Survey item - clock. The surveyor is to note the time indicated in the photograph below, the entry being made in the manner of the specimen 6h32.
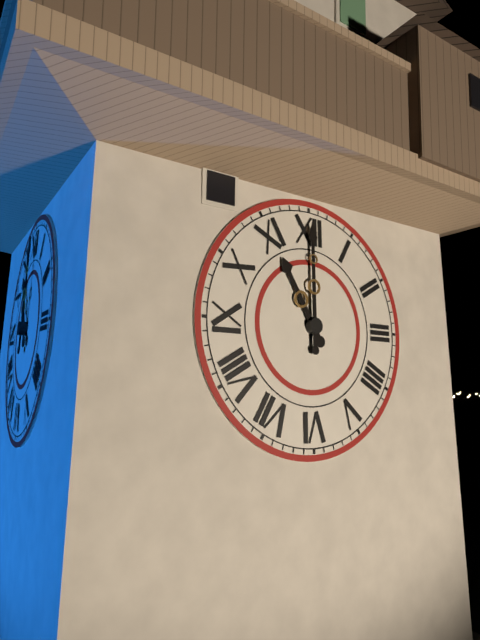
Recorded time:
11h00
